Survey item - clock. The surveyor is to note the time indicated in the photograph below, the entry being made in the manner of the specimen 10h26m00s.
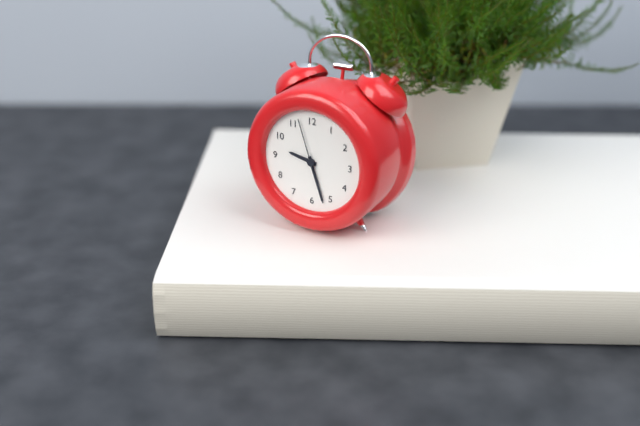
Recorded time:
9h27m57s
